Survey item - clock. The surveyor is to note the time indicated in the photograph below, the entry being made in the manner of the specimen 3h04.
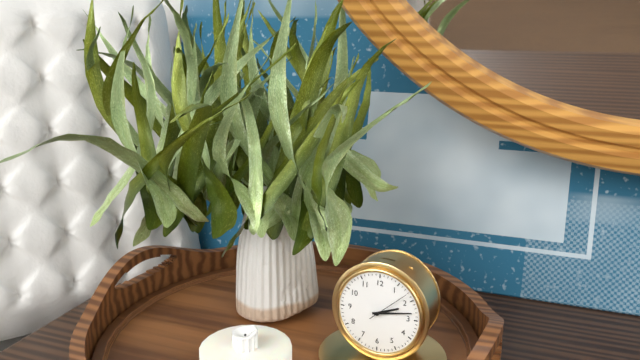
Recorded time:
2h13
